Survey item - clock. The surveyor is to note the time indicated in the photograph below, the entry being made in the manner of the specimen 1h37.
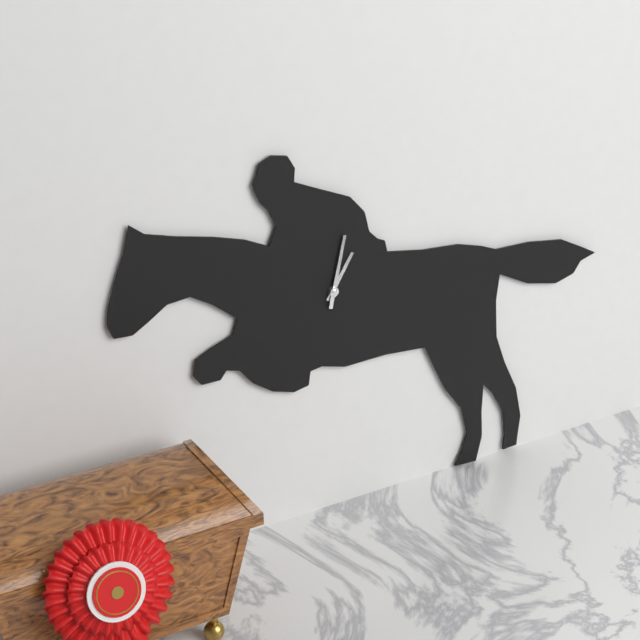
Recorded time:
1h02
